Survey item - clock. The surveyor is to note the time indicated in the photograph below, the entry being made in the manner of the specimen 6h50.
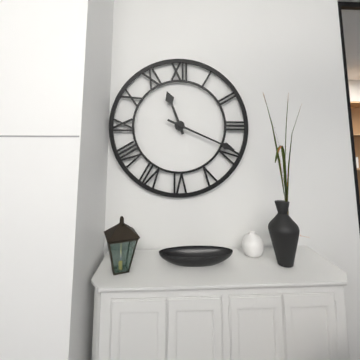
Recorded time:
11h19
